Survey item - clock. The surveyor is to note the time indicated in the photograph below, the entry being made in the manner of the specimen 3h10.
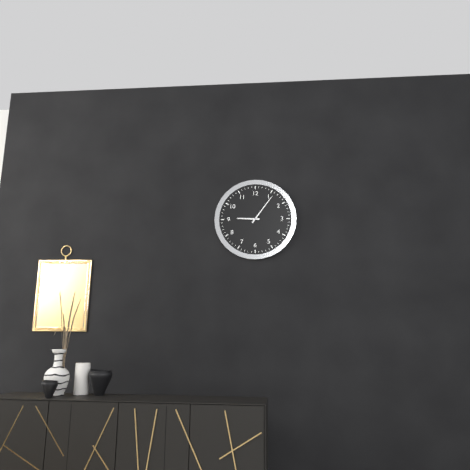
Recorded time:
9h06
